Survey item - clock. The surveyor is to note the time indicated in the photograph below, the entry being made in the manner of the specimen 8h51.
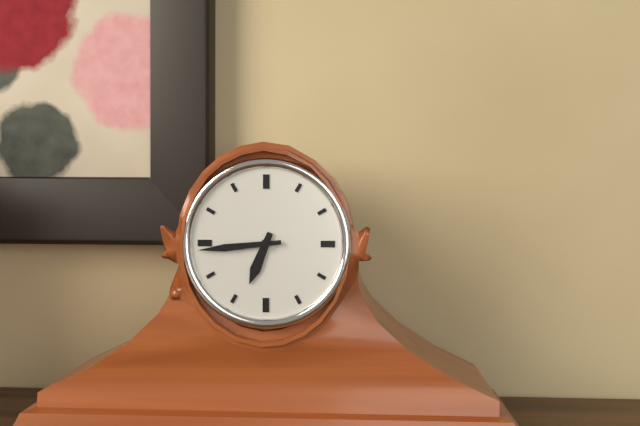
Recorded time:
6h44
